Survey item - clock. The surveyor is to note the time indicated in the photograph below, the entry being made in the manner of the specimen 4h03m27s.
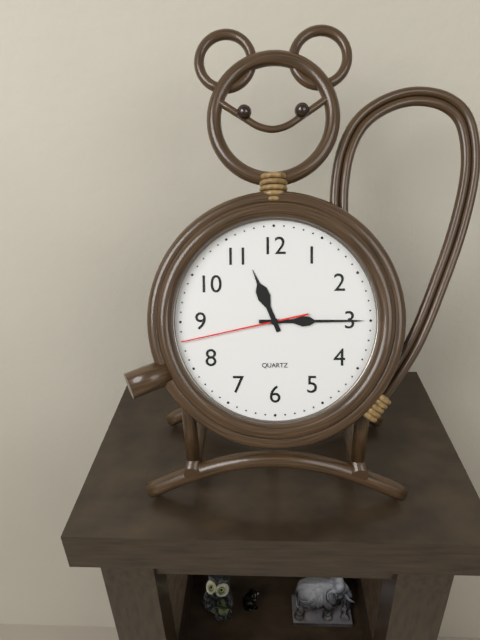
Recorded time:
11h15m43s
